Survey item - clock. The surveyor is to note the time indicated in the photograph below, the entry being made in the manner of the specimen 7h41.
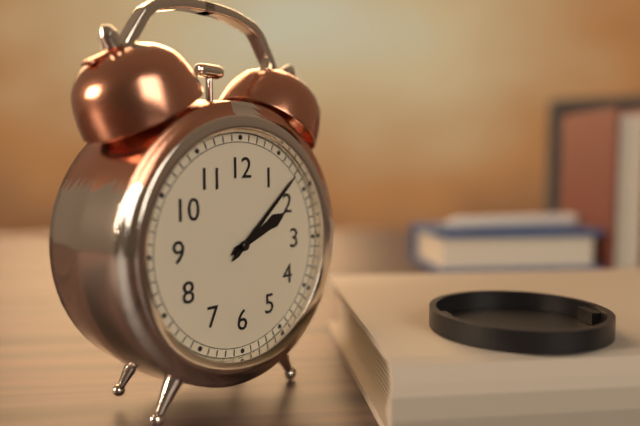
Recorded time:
2h08
